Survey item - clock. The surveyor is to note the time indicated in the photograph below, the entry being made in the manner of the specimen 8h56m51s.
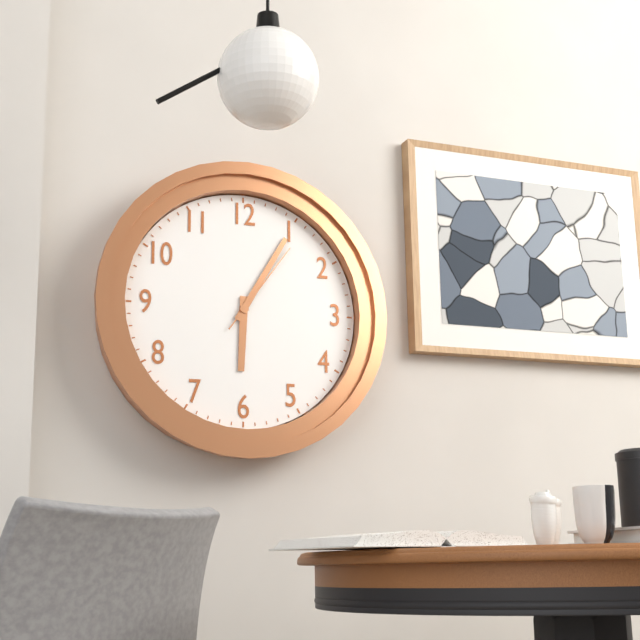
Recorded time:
6h05m06s
